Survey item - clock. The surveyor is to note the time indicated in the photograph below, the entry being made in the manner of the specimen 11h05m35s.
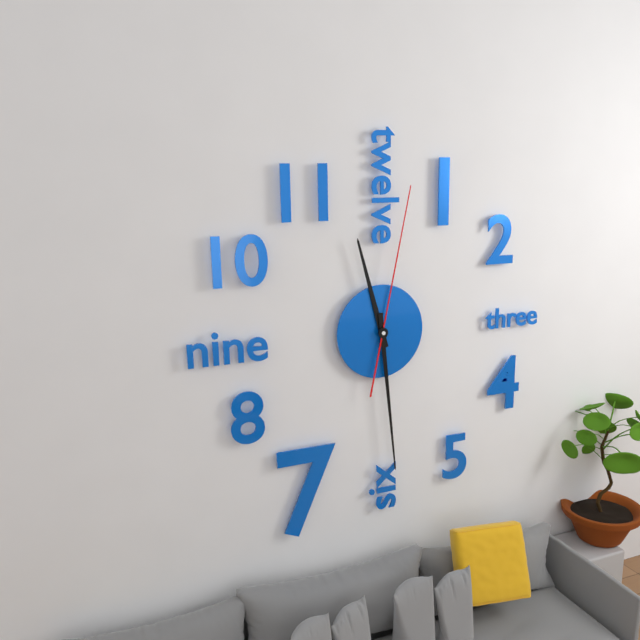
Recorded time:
11h29m02s
